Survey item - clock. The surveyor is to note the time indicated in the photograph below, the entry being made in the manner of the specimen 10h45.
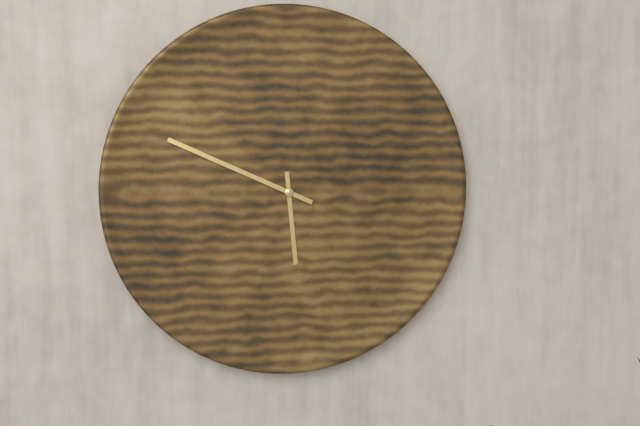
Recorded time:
5h49
